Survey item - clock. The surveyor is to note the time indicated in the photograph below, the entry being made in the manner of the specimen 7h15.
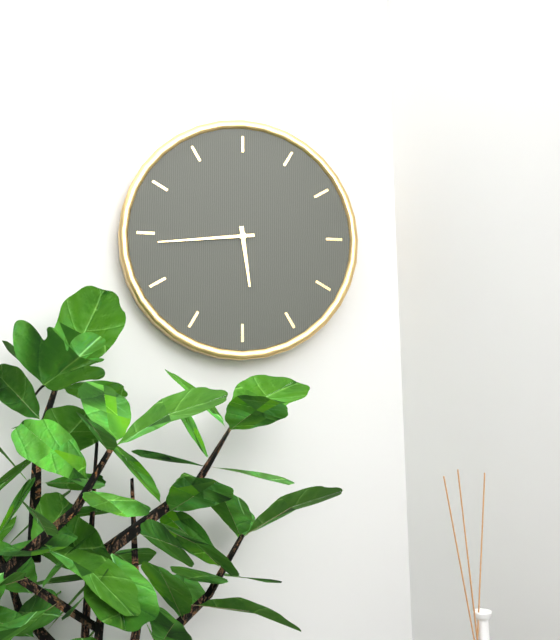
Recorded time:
5h44
